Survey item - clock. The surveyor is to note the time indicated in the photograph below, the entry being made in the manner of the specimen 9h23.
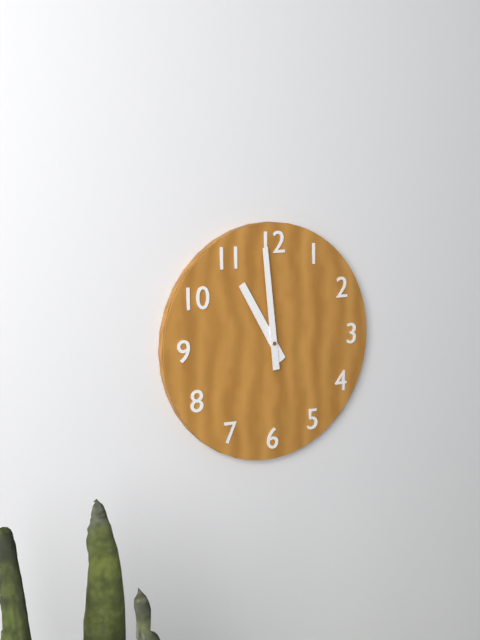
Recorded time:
10h59
